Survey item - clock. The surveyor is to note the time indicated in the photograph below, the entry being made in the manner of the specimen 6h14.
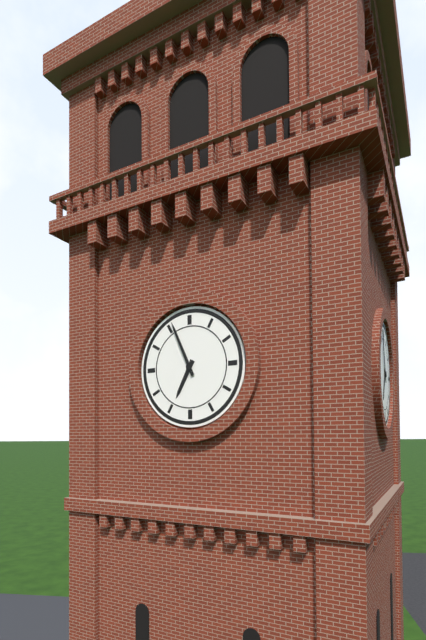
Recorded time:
6h56
